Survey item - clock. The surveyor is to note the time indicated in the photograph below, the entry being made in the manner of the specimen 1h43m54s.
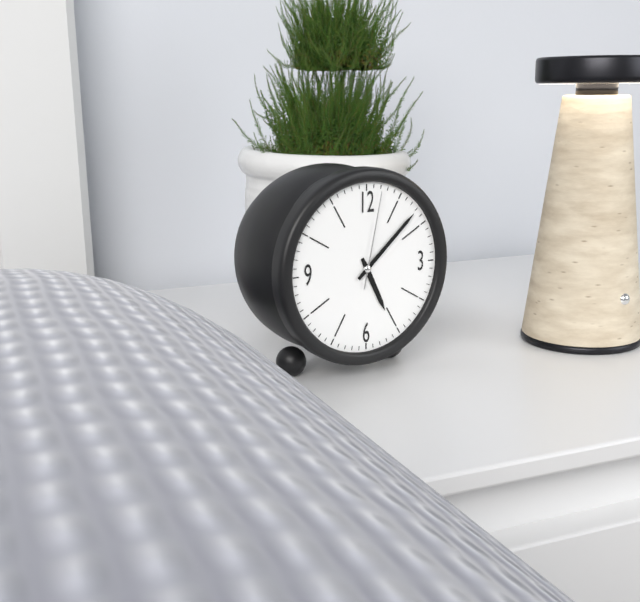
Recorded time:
5h08m02s
